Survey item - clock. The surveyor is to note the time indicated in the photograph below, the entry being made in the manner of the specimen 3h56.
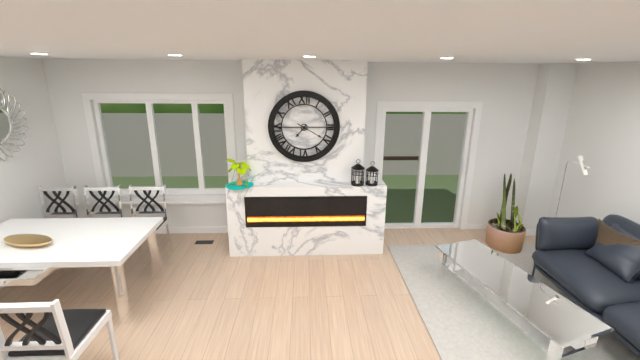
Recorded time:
7h20
